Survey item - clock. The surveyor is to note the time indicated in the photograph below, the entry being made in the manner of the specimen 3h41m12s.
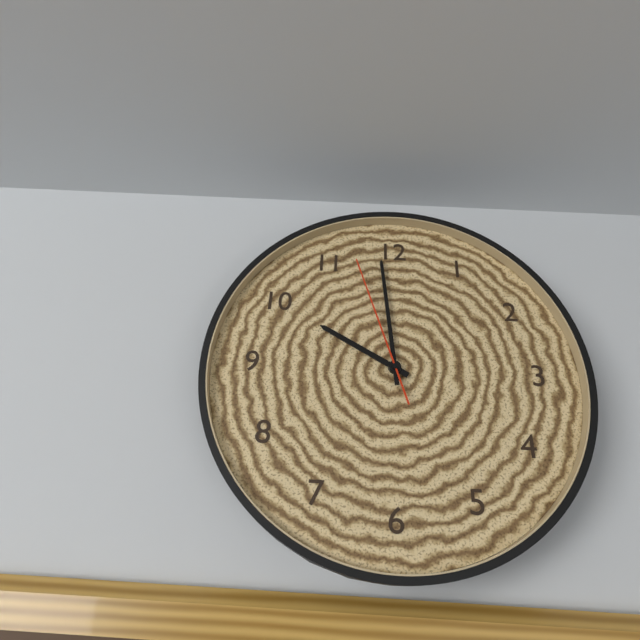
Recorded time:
9h59m57s
